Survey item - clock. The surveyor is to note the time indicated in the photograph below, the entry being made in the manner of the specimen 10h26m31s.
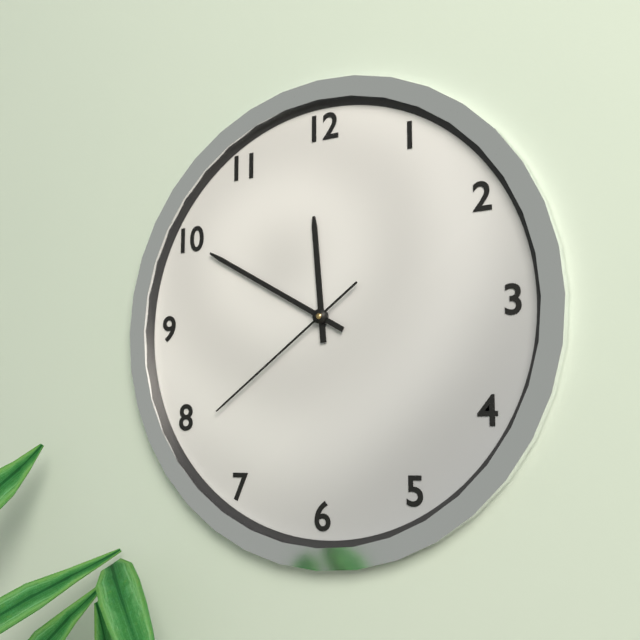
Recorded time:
11h50m39s
